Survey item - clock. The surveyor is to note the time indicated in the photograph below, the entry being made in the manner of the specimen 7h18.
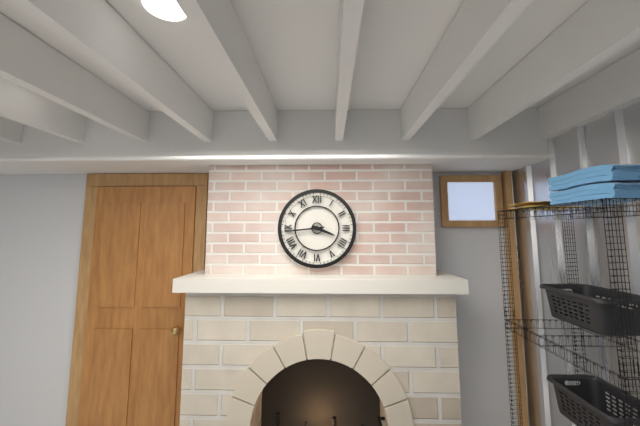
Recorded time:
3h44
